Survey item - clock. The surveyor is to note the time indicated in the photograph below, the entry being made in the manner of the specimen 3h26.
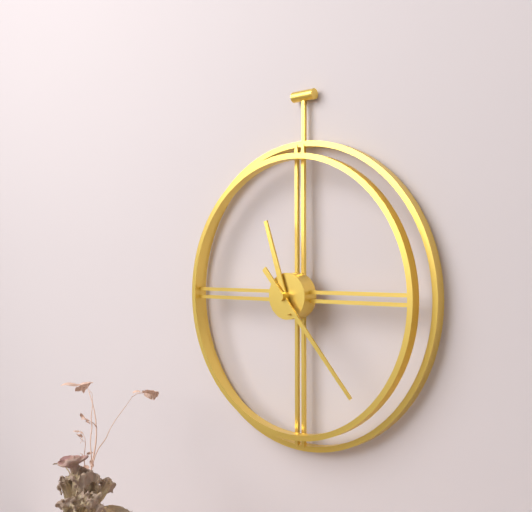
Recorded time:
11h23
